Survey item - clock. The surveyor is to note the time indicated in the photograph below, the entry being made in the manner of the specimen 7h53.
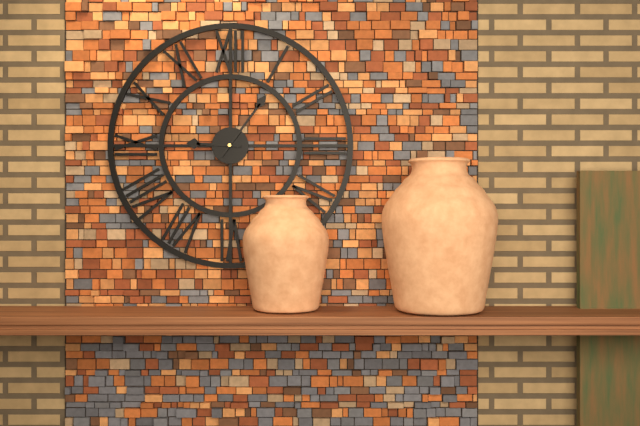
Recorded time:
9h06
